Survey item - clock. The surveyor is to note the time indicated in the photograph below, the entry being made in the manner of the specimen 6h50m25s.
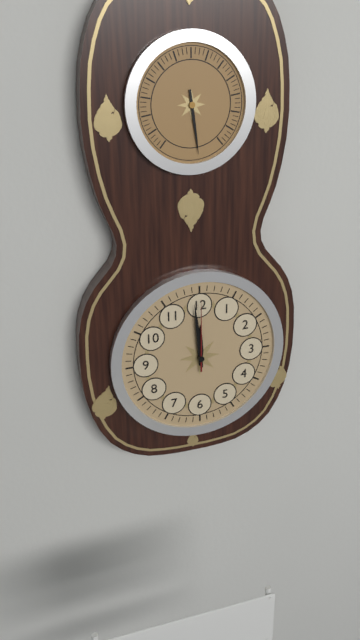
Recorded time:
11h59m00s
